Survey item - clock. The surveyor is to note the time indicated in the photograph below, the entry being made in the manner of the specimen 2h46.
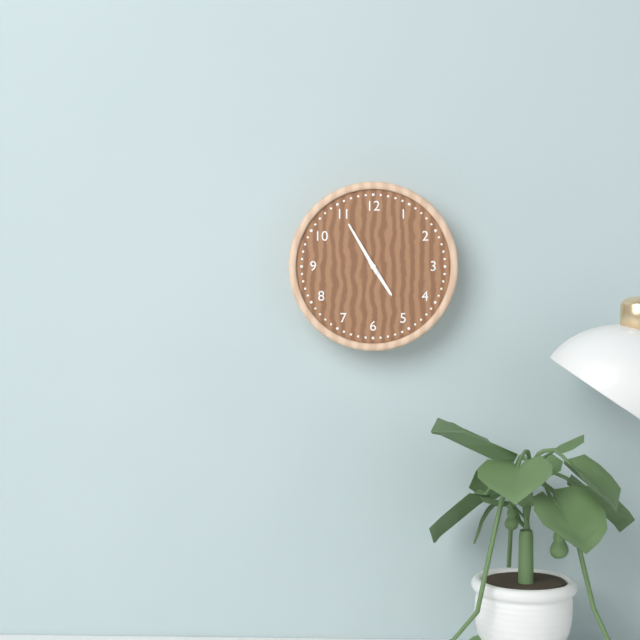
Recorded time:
4h55
